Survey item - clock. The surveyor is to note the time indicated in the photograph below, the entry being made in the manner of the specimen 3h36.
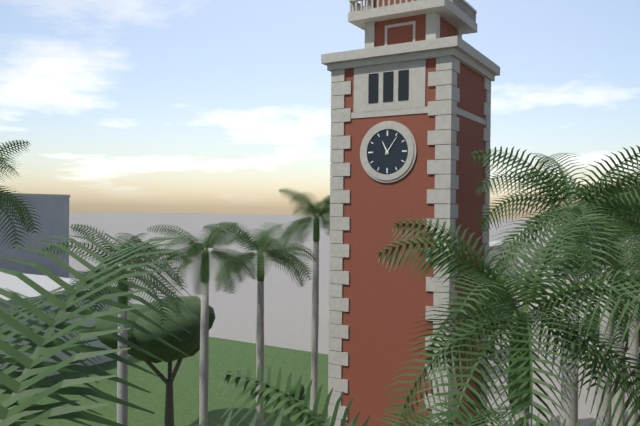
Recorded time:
11h06
